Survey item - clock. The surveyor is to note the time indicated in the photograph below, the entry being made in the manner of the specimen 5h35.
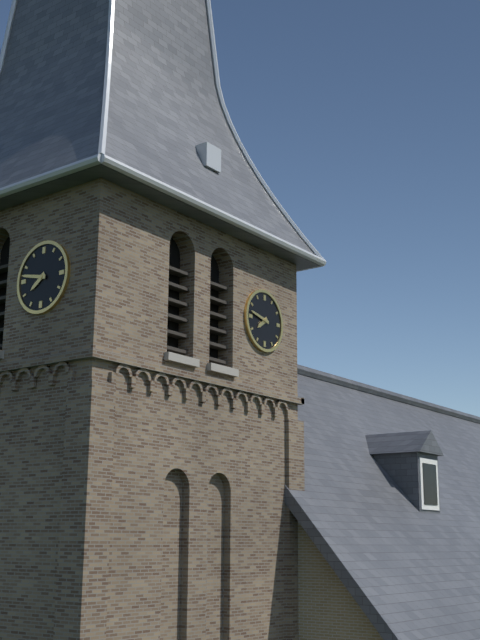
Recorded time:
7h47
